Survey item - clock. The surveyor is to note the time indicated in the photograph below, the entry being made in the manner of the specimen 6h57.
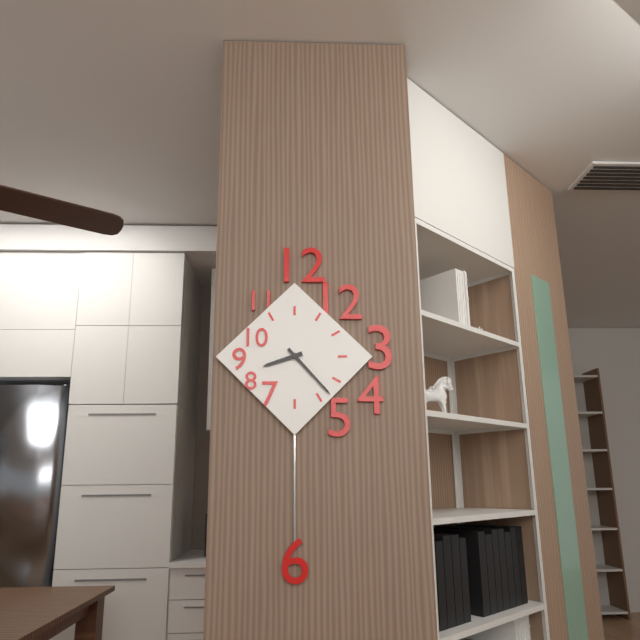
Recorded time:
8h23
